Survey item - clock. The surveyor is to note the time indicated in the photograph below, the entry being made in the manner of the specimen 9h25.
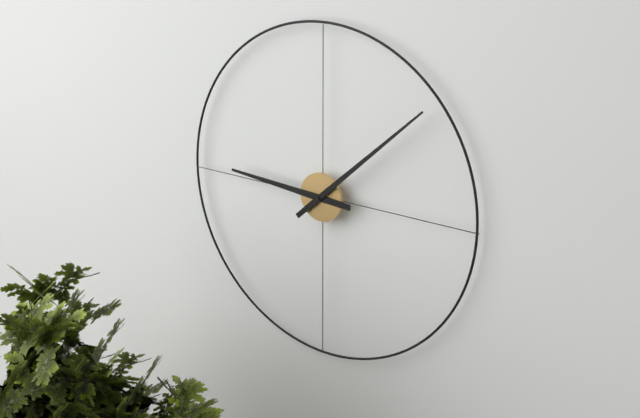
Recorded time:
9h08
